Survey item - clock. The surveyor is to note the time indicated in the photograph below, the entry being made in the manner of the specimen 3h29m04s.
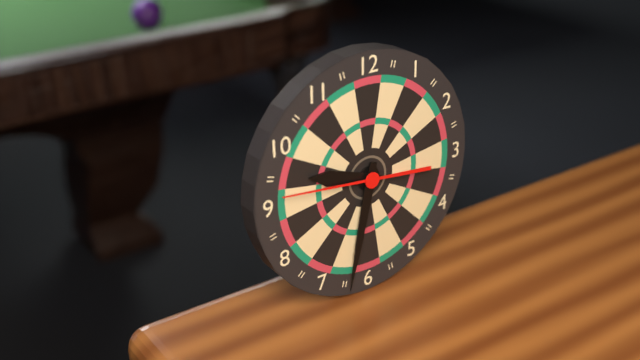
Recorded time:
9h32m46s
